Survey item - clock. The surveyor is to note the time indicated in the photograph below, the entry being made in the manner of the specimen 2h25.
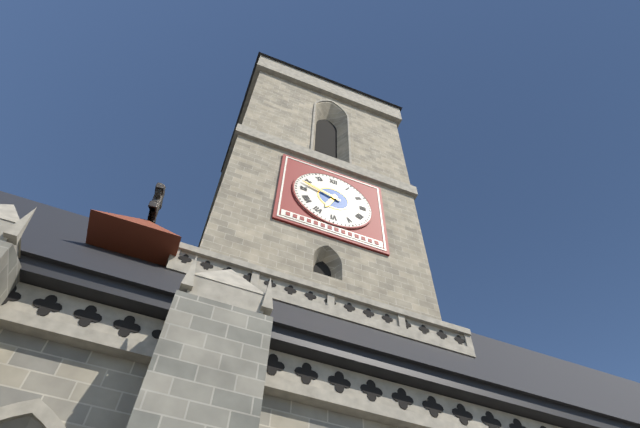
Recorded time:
6h48
